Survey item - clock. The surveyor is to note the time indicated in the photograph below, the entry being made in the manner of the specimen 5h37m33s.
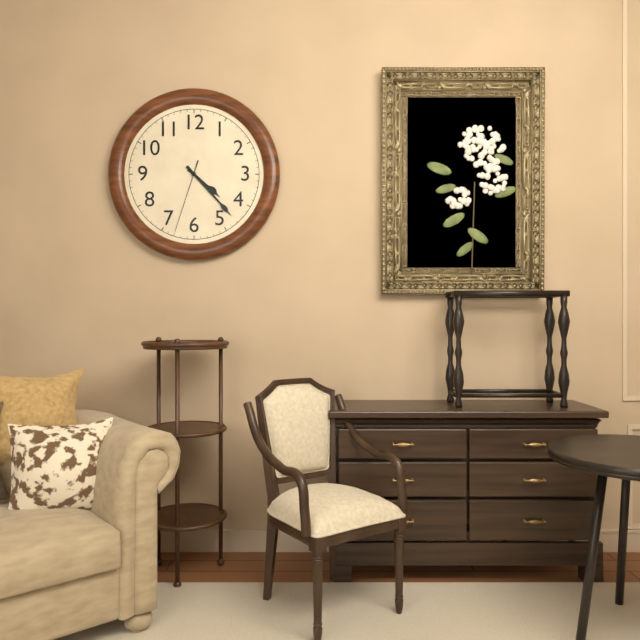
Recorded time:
4h23m33s
